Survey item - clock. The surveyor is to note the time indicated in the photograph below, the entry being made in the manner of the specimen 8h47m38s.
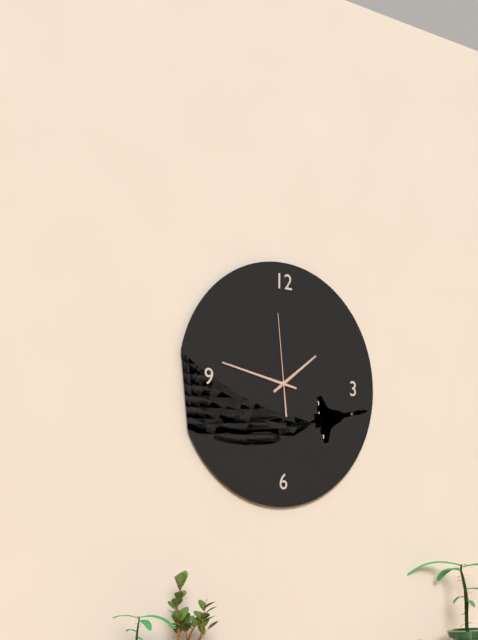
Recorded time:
1h47m59s
